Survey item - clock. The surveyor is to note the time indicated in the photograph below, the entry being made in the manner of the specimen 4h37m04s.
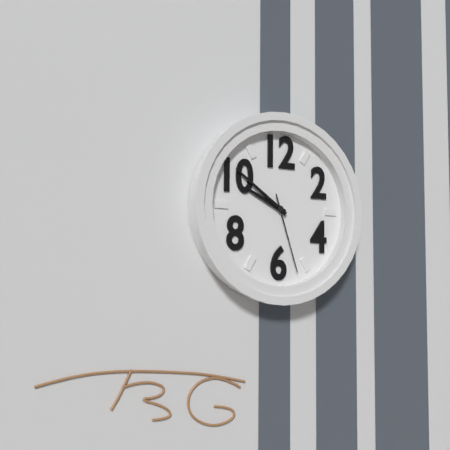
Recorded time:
9h51m27s
